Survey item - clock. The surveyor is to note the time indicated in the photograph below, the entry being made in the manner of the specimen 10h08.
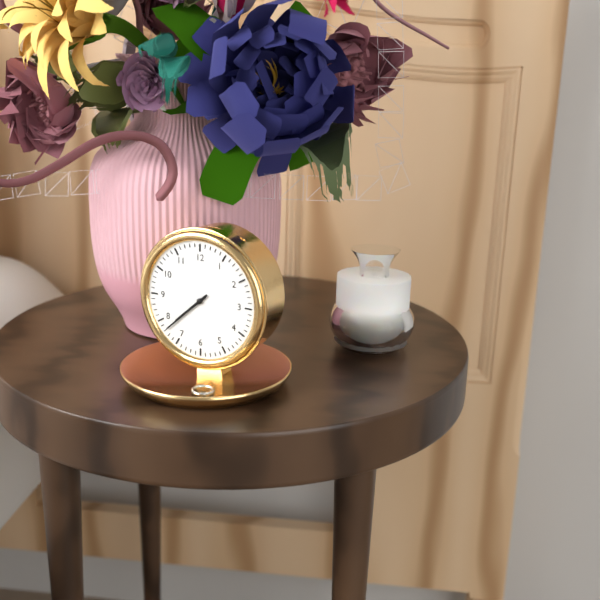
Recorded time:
7h38
